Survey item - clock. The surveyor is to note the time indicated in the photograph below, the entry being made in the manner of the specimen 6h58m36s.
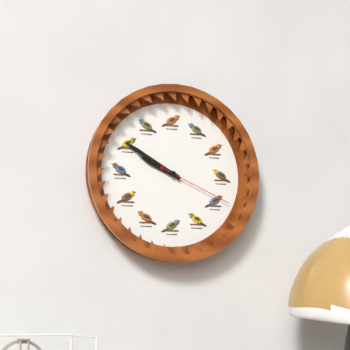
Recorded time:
9h50m19s
